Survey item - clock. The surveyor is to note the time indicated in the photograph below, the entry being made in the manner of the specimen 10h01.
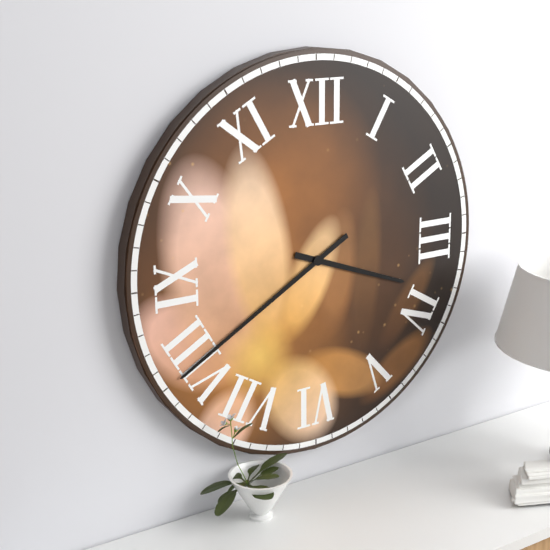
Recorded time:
3h40
